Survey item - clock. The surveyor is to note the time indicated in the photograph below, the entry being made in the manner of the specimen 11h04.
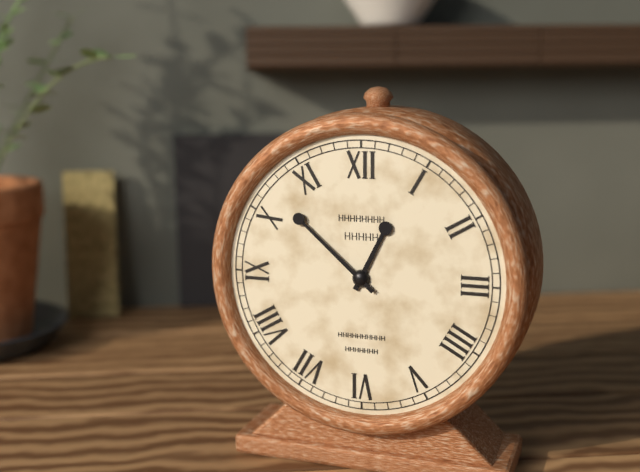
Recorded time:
12h52
